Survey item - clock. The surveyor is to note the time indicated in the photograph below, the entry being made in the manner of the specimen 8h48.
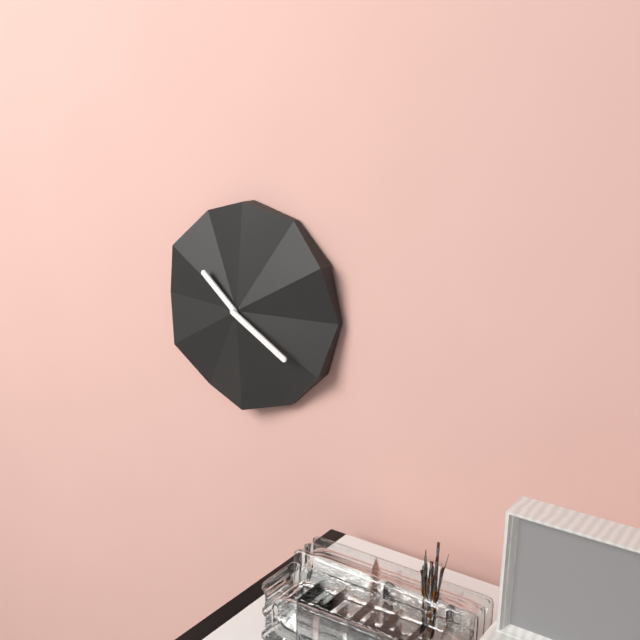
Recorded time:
10h20
